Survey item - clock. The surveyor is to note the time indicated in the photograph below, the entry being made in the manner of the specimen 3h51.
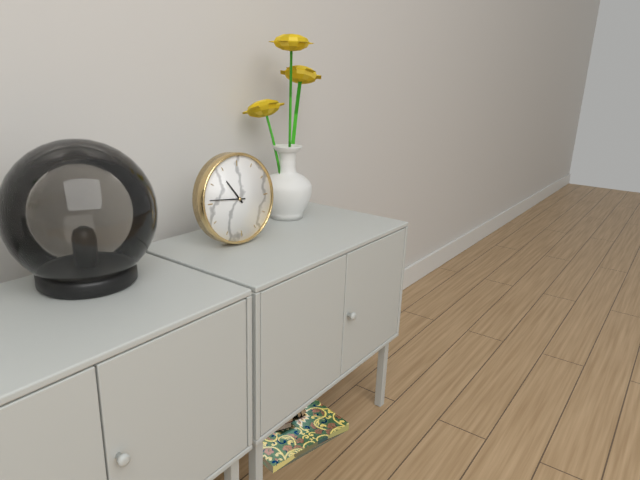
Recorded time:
10h46
